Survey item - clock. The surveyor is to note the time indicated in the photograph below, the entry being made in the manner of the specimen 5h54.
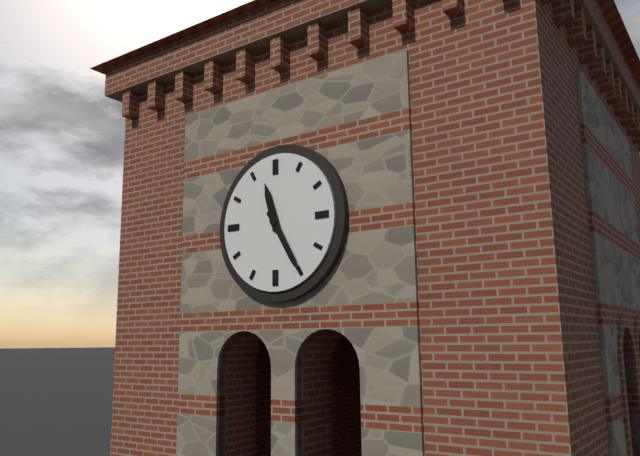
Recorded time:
11h25
